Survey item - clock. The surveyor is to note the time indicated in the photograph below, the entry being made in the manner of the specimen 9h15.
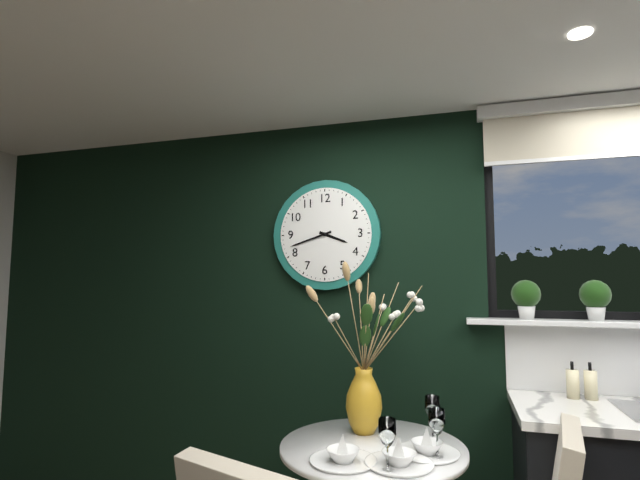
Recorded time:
3h42
